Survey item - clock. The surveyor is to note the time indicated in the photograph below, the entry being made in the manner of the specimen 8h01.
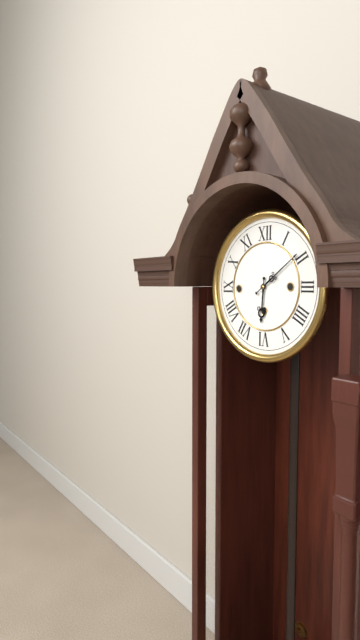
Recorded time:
6h09
